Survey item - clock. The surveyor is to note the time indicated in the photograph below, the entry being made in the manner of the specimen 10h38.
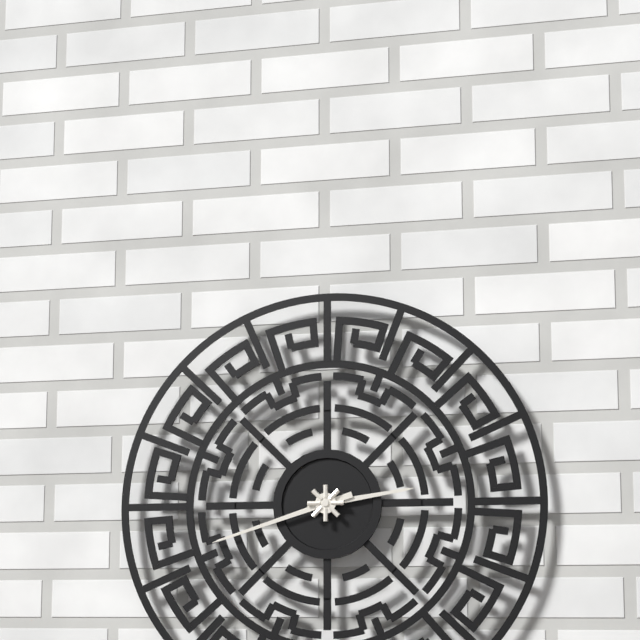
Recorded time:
2h42
